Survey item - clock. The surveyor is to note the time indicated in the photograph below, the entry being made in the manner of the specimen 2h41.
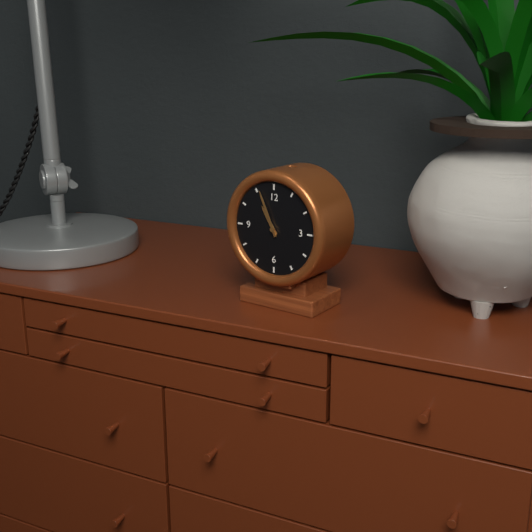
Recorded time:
10h56
